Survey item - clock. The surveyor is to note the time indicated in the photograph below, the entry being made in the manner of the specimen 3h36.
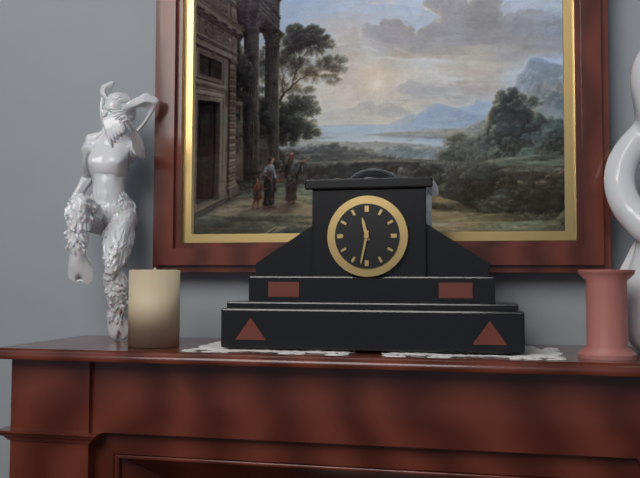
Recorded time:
11h32
